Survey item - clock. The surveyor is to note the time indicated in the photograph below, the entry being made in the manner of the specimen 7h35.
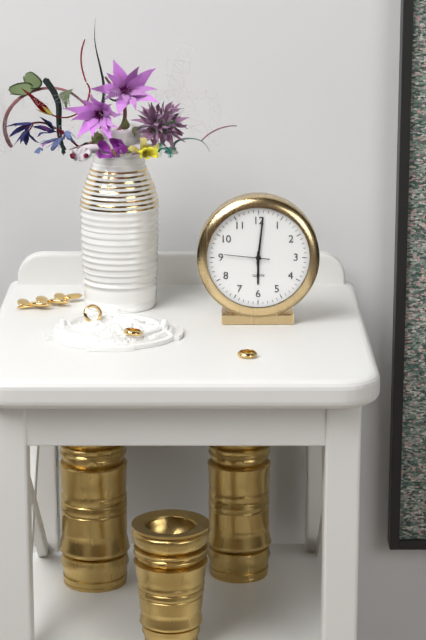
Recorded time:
6h01
